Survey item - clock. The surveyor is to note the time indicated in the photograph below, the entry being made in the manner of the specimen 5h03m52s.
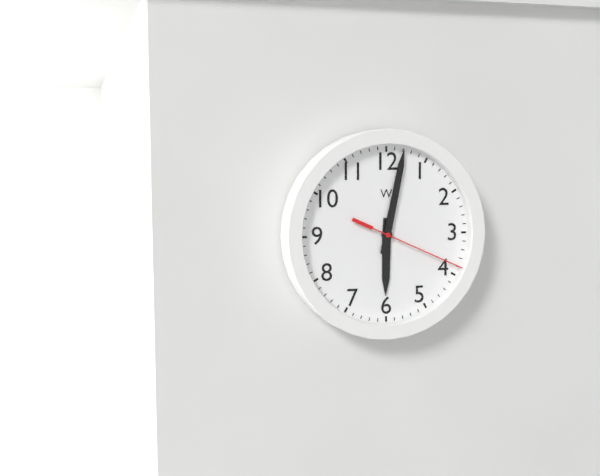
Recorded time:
6h02m19s
